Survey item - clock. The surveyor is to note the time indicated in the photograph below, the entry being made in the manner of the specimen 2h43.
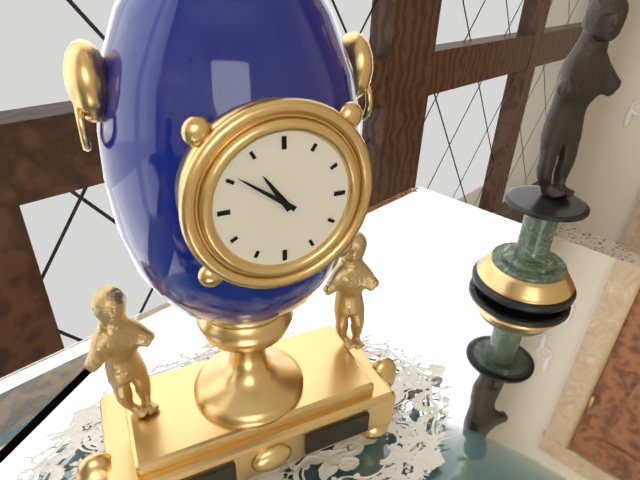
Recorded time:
10h51
